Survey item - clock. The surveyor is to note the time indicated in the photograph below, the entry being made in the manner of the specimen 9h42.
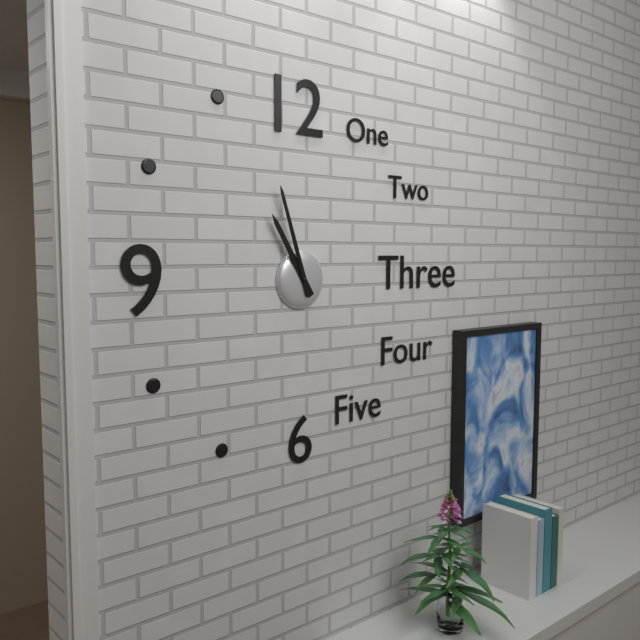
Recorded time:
10h57
